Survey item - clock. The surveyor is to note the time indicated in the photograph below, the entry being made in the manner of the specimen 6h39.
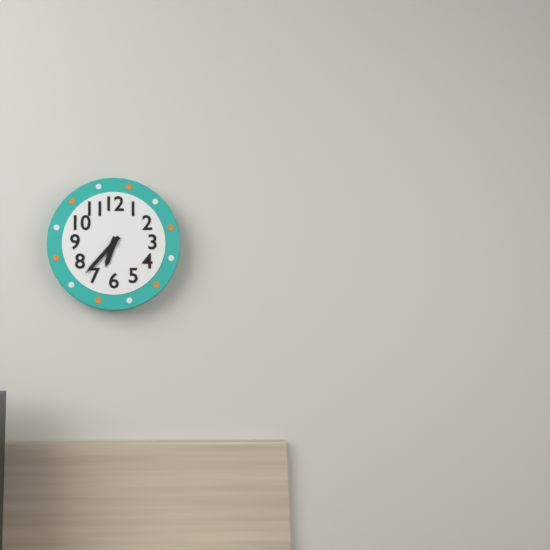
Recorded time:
6h37
